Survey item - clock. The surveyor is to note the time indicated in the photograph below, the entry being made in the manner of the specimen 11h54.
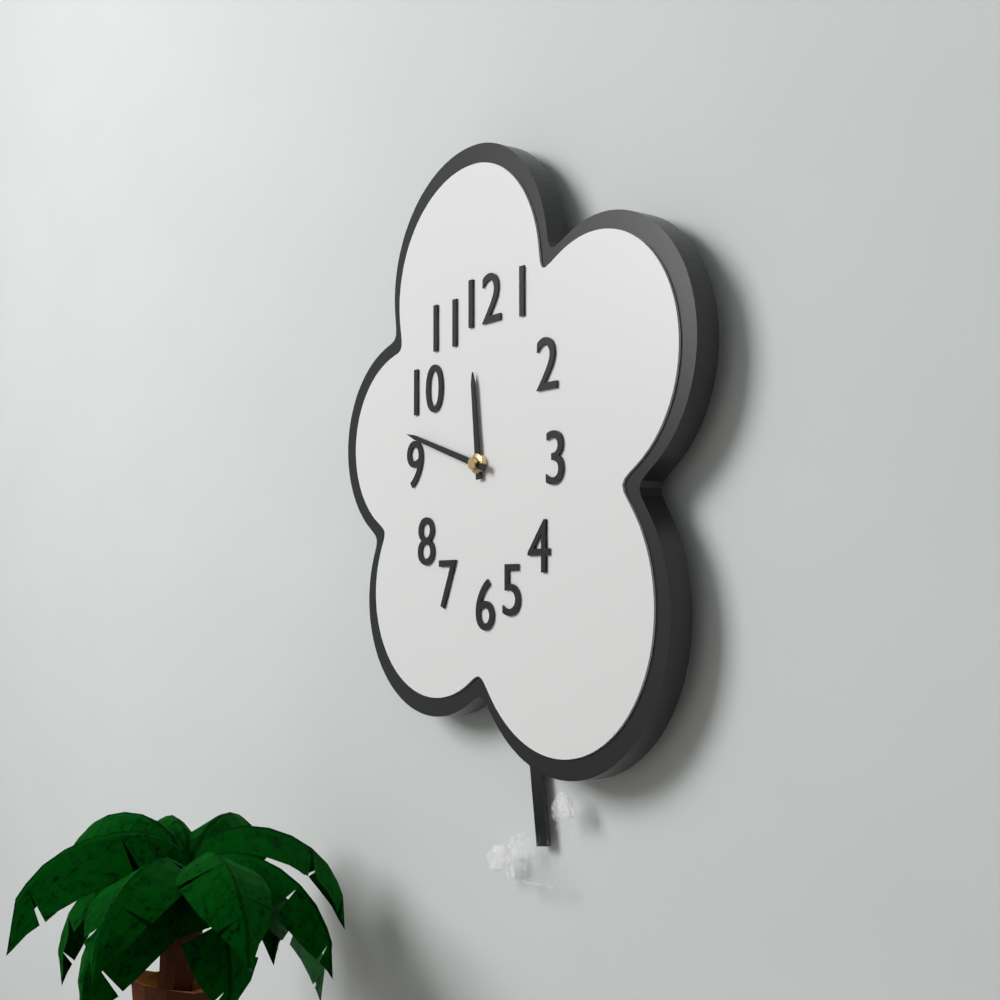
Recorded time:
11h48
